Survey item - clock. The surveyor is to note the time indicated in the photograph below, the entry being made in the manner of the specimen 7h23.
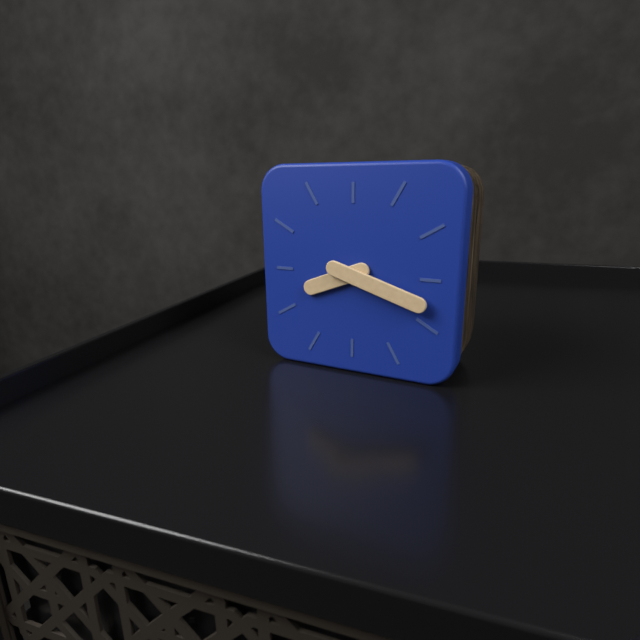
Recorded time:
8h18
